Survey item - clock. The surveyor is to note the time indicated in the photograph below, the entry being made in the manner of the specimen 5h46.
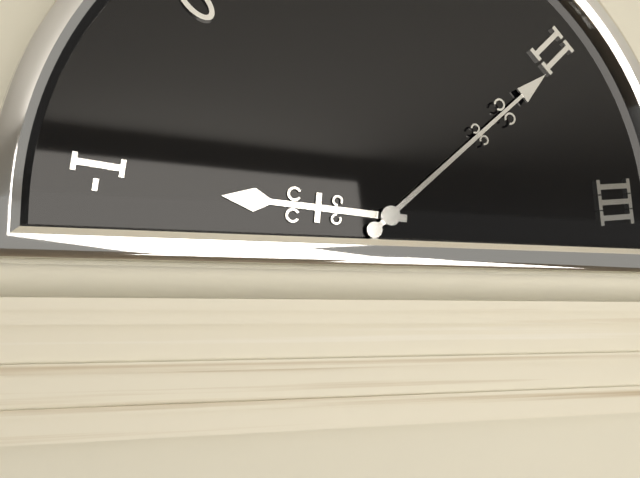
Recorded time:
9h08
